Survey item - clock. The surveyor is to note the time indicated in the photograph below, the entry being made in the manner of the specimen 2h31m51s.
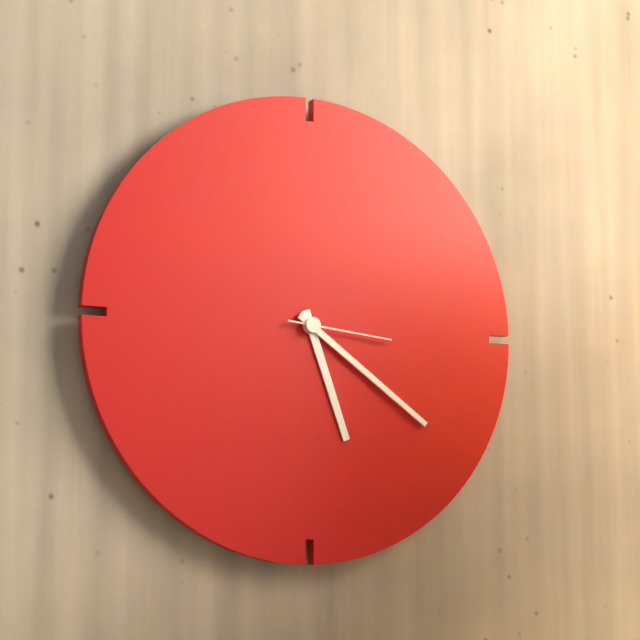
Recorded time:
5h21m16s
